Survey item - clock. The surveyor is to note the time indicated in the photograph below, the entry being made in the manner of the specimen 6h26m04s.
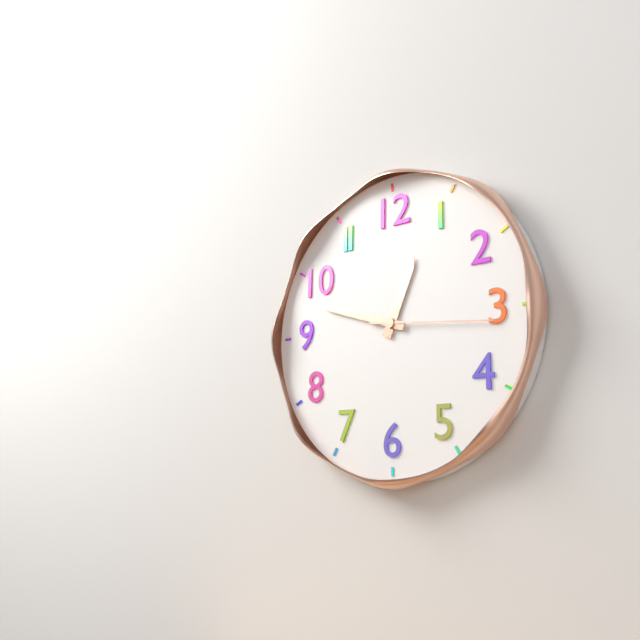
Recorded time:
12h48m16s
